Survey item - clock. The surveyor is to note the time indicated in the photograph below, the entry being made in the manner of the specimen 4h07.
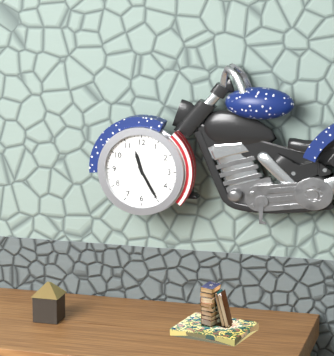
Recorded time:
11h25
